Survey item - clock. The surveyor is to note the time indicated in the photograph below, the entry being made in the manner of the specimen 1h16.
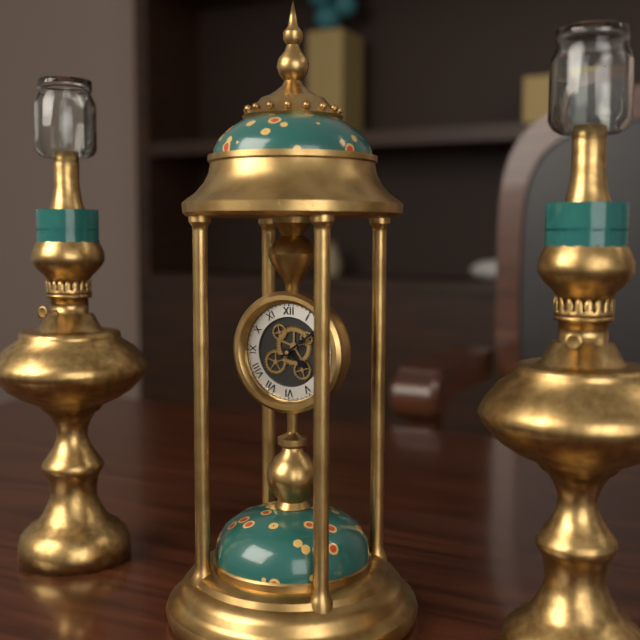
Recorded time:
4h09
